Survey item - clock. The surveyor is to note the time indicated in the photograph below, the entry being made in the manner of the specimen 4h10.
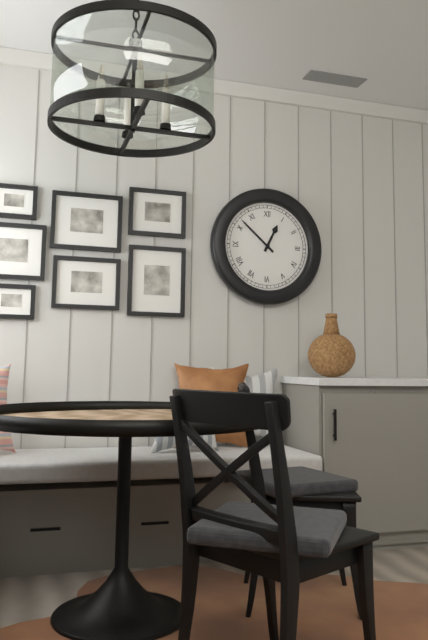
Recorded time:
12h52
